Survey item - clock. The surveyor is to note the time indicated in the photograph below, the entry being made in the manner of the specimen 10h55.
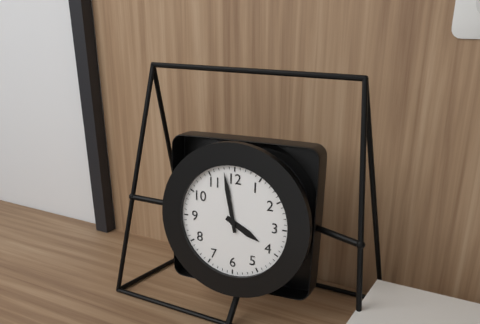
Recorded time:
3h58
